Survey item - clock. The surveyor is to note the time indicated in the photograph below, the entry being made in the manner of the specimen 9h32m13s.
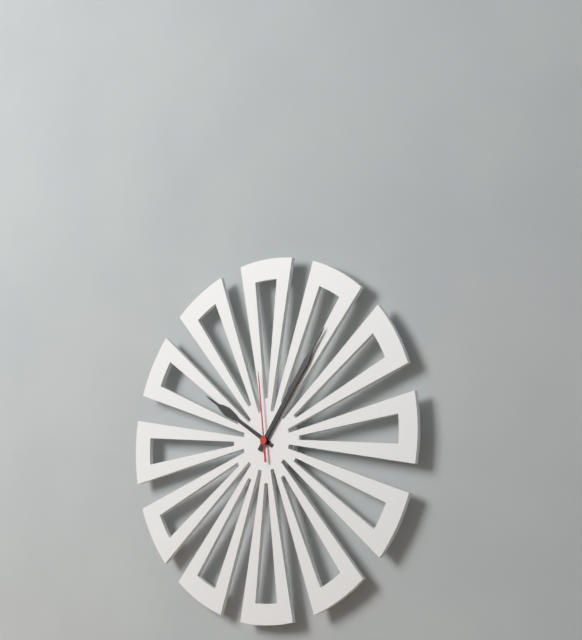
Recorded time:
10h06m59s
